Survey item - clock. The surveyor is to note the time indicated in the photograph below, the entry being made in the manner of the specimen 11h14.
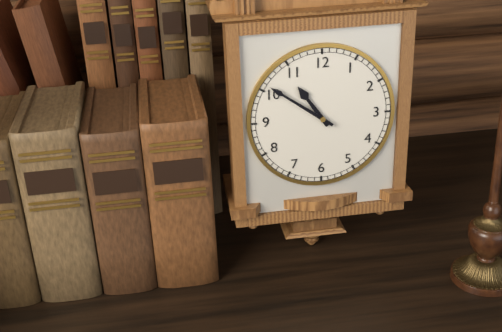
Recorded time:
10h51
